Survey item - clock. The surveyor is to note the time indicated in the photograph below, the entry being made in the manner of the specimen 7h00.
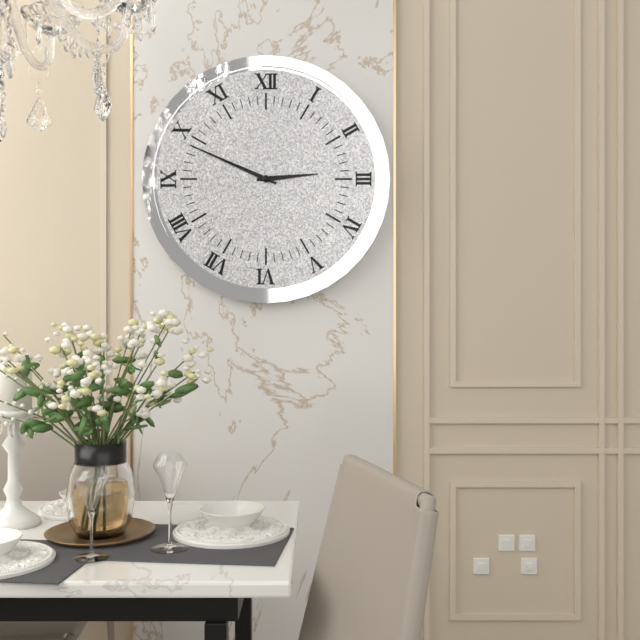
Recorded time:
2h49
